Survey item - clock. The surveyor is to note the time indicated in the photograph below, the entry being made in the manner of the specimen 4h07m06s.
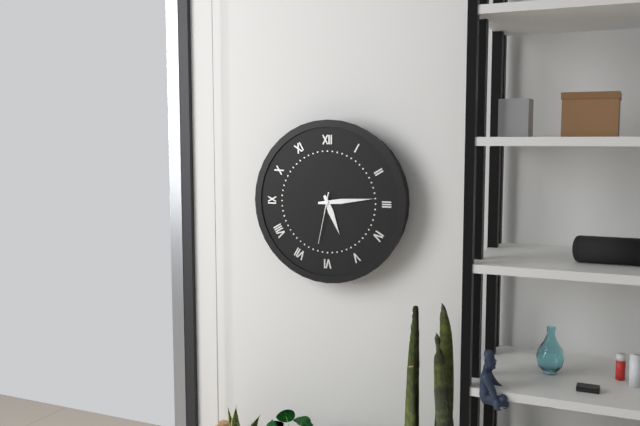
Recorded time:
5h14m32s
